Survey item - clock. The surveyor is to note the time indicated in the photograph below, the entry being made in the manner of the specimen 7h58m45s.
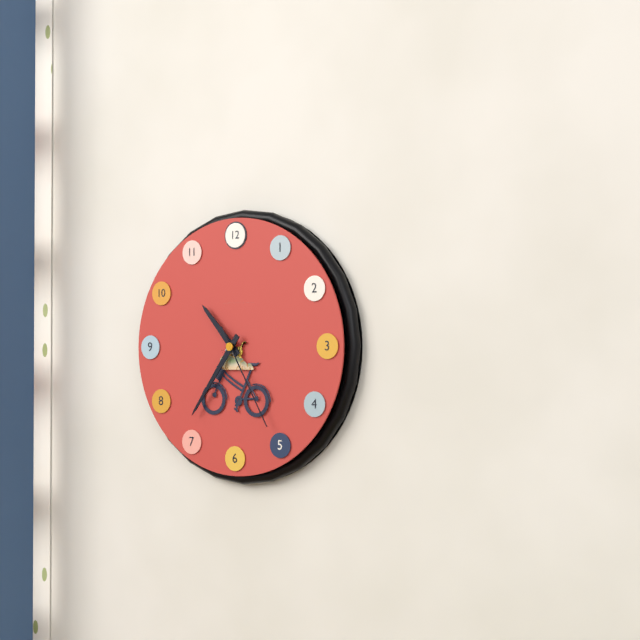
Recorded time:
10h36m25s
